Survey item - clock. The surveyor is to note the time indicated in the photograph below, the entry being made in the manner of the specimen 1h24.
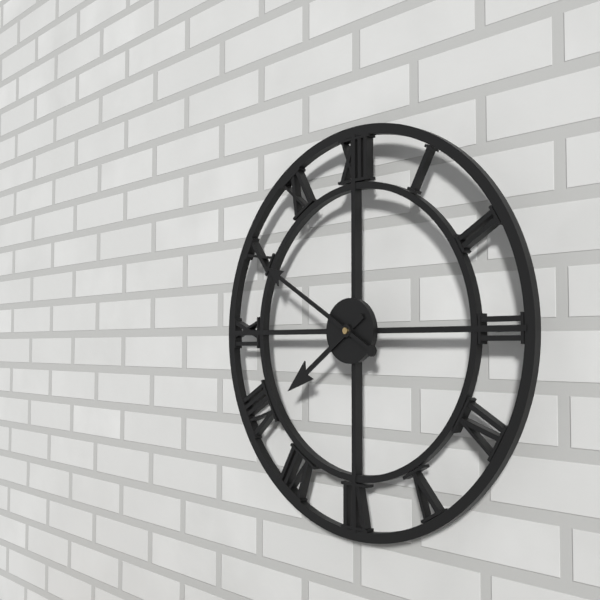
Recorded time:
7h50
